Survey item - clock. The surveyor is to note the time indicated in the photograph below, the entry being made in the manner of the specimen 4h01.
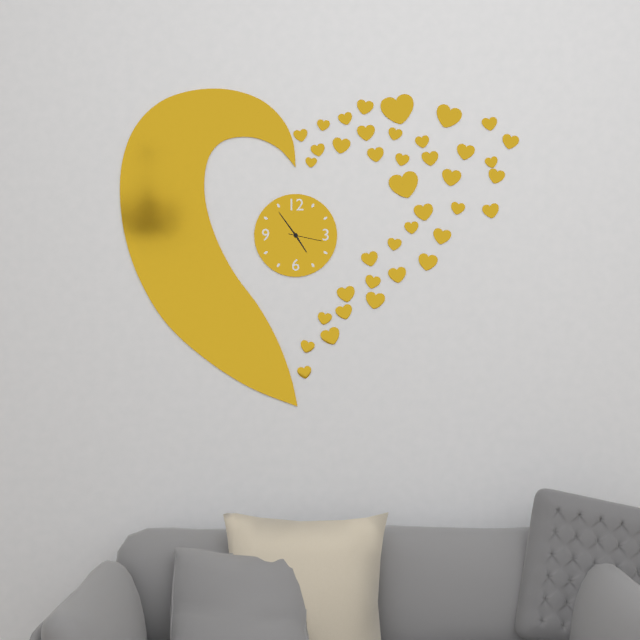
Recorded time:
4h54
